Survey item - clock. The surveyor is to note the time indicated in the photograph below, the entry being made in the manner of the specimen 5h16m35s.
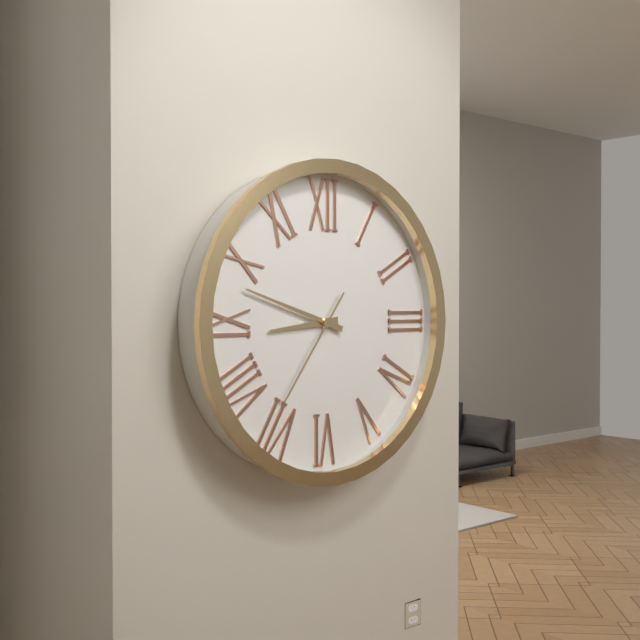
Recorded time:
8h48m36s
